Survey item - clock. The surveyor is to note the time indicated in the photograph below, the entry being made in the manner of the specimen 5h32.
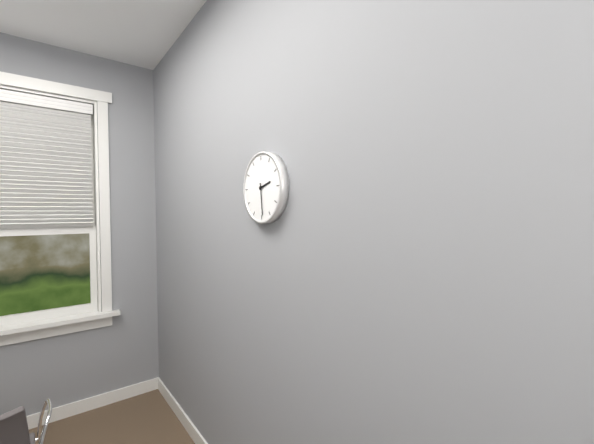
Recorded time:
2h29
